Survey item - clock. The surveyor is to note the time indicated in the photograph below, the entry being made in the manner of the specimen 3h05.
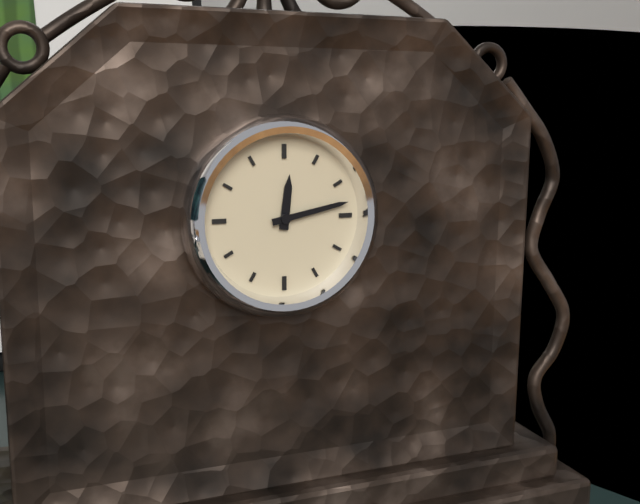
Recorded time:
12h13
